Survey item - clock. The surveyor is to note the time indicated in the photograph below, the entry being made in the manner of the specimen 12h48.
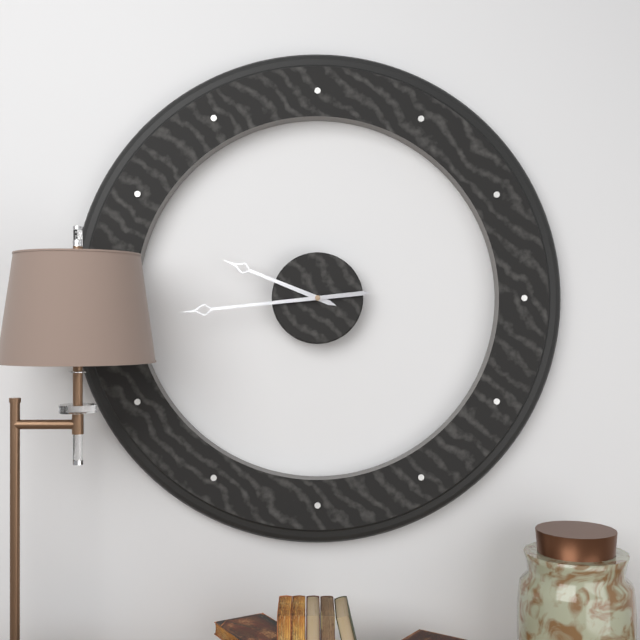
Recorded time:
9h44
